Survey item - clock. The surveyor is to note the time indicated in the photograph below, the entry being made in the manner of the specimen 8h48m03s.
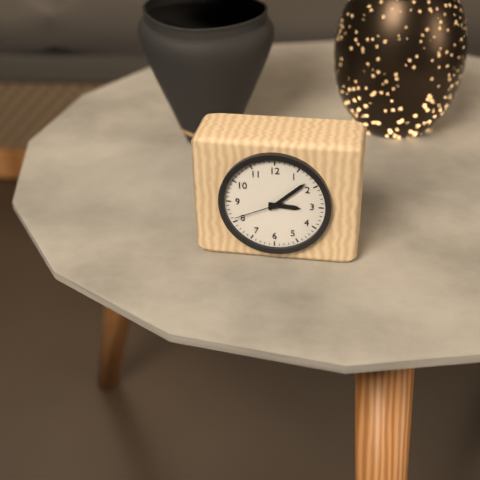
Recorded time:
3h08m41s
